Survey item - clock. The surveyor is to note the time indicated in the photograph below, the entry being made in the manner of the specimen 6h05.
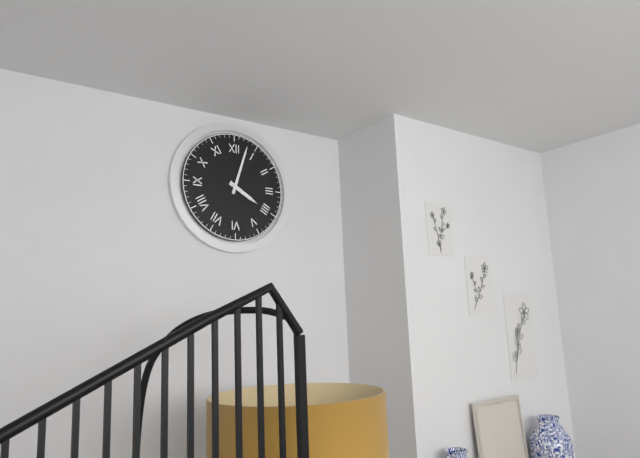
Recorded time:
4h03
